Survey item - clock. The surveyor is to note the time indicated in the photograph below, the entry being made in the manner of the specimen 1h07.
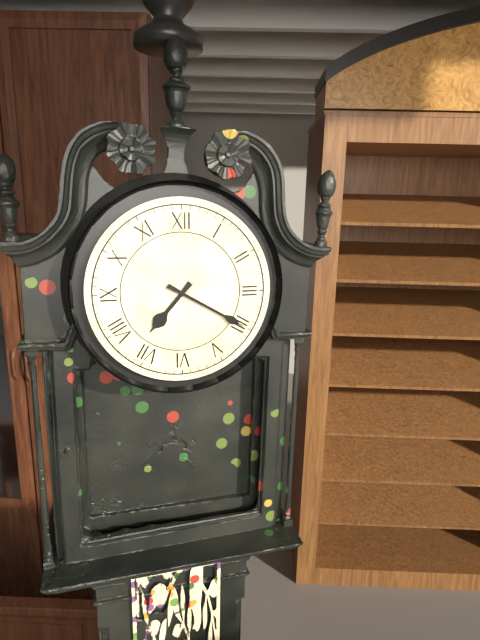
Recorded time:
7h20
